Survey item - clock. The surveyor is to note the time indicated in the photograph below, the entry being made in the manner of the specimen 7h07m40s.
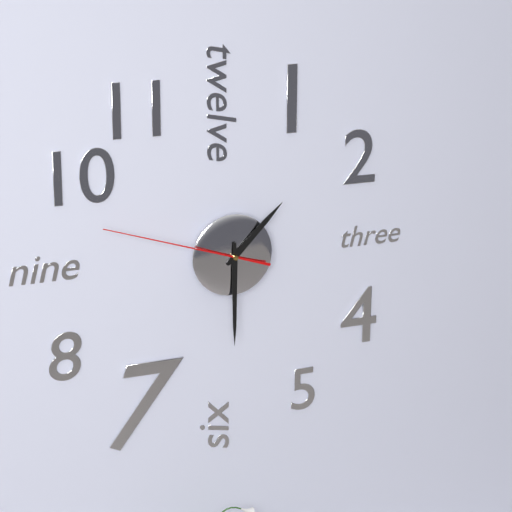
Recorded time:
1h30m48s
